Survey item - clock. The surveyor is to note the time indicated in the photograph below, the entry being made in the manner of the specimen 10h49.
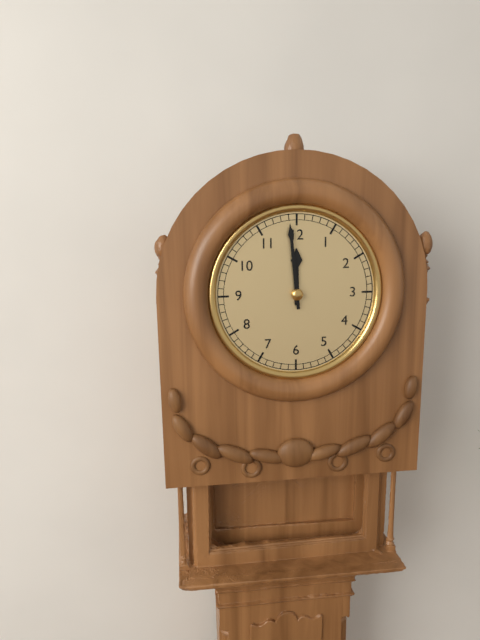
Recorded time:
11h59
